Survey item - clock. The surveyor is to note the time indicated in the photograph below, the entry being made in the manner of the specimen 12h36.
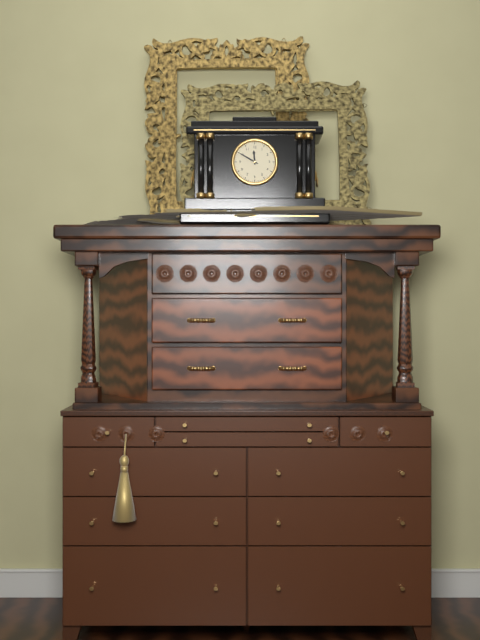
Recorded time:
11h50
